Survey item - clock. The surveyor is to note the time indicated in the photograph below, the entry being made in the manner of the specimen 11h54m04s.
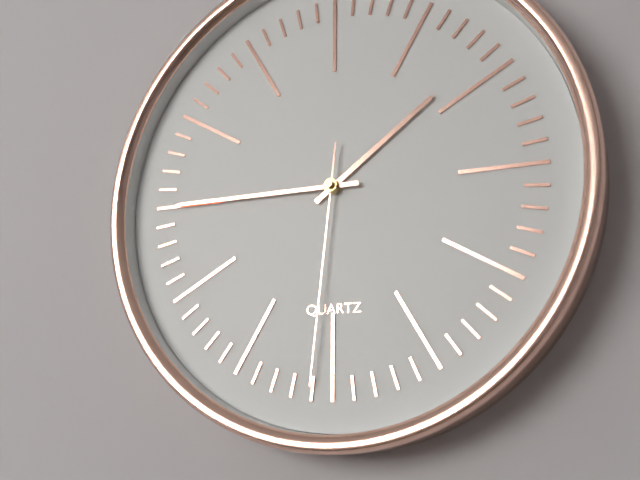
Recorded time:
1h45m31s
